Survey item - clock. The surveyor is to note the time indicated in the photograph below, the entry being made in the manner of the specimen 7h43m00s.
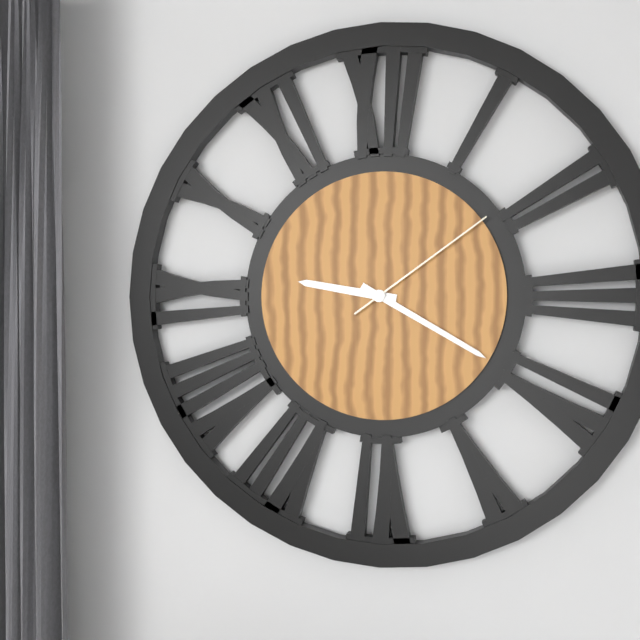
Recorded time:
9h20m09s
